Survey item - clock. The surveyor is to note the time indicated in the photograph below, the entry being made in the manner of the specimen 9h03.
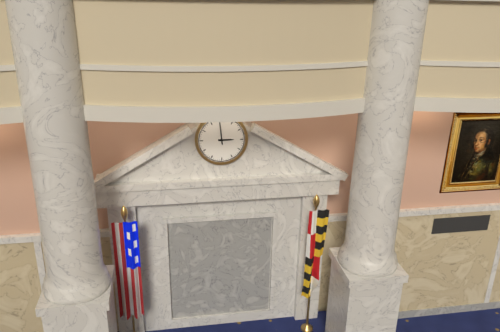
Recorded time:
2h59
